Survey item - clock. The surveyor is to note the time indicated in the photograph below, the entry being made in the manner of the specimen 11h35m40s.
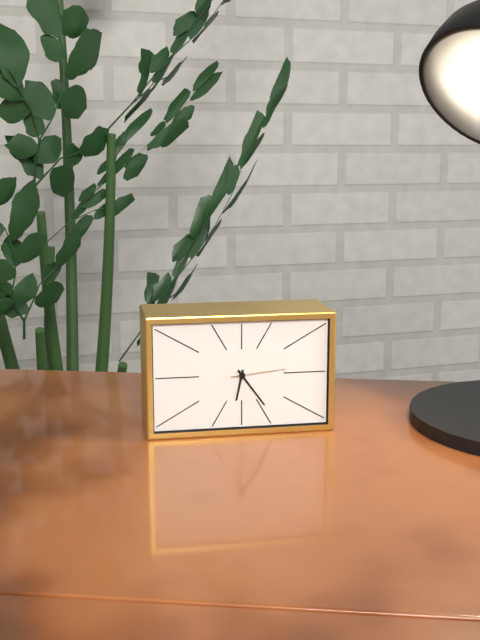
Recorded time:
6h24m14s
